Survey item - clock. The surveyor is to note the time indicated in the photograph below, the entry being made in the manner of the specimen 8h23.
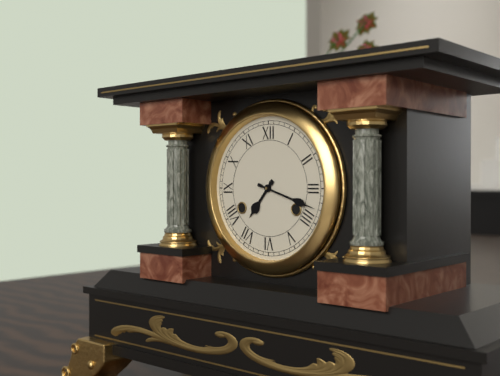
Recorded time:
7h18
